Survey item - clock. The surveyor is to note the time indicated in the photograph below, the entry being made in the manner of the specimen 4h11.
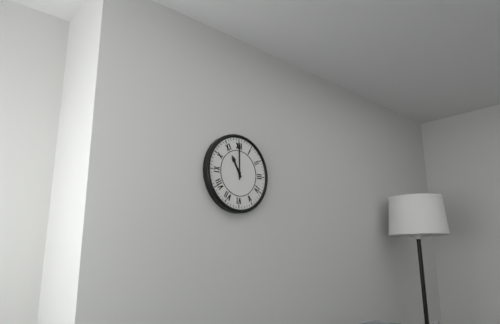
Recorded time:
11h00
